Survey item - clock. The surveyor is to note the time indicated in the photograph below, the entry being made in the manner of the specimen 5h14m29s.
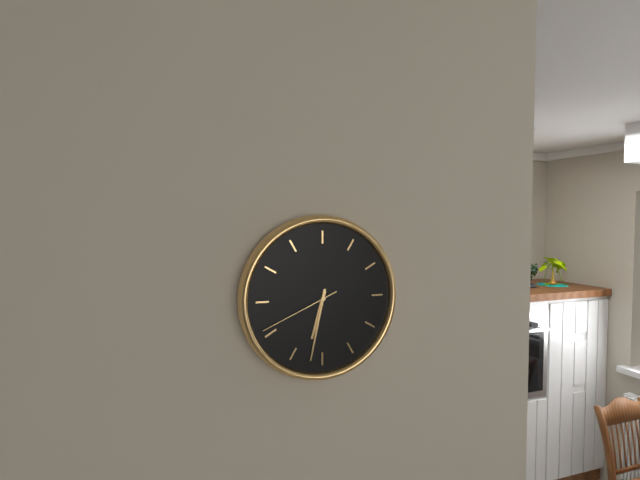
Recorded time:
6h32m41s
